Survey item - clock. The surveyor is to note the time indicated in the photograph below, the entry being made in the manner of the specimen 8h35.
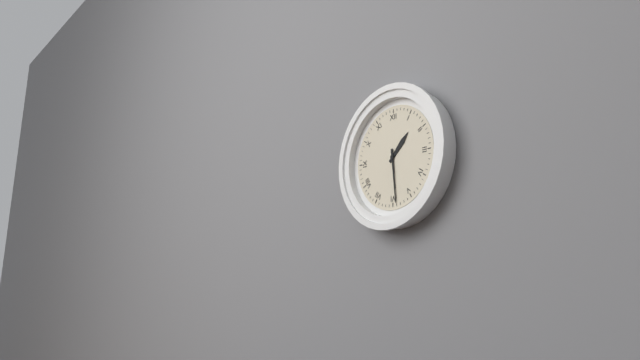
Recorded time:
1h29
